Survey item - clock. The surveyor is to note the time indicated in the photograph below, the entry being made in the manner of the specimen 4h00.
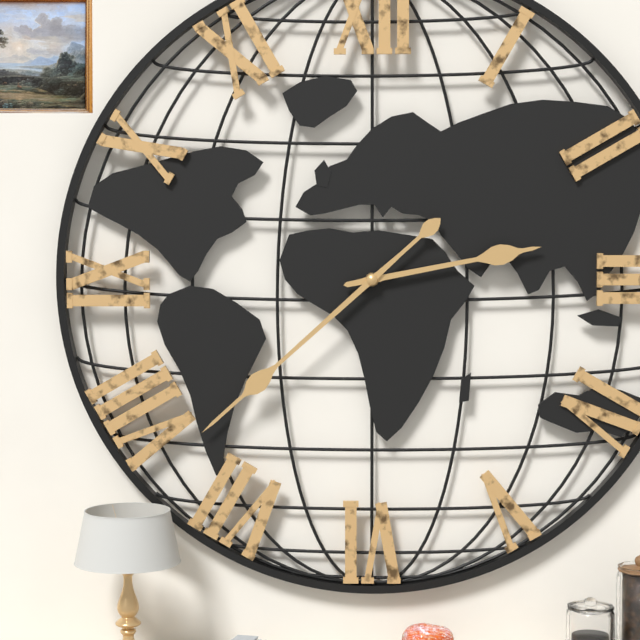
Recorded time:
2h38
